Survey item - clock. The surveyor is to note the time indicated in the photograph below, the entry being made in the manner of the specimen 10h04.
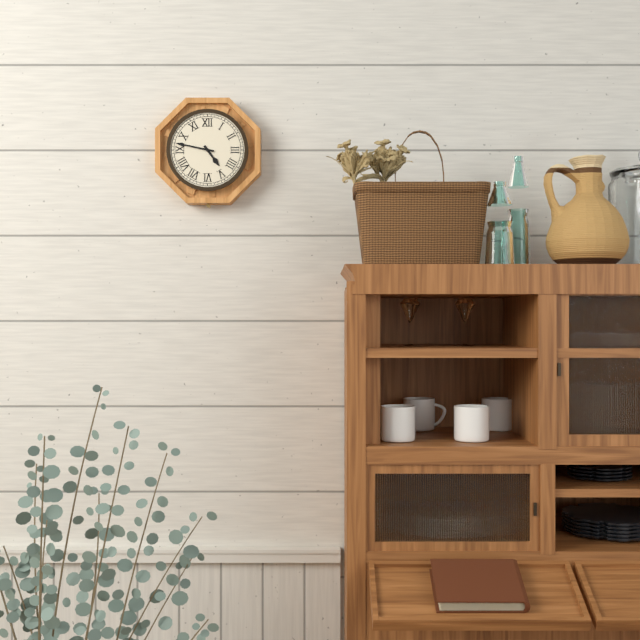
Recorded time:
4h47
